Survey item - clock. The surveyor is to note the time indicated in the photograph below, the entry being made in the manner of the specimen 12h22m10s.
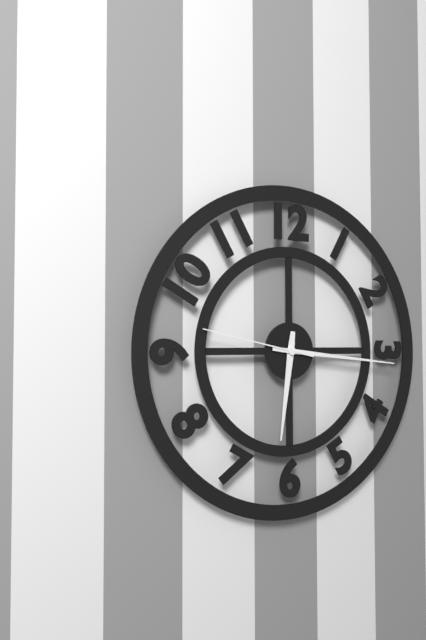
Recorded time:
6h16m47s
